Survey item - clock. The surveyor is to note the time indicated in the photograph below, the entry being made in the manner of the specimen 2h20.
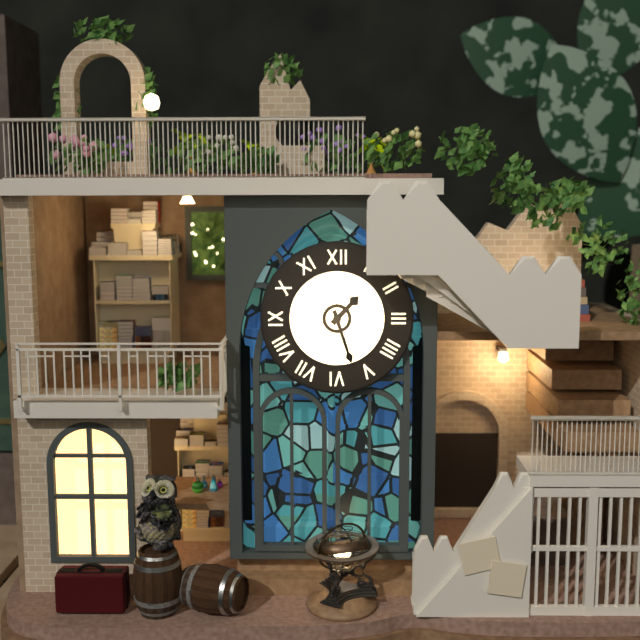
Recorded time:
1h27
